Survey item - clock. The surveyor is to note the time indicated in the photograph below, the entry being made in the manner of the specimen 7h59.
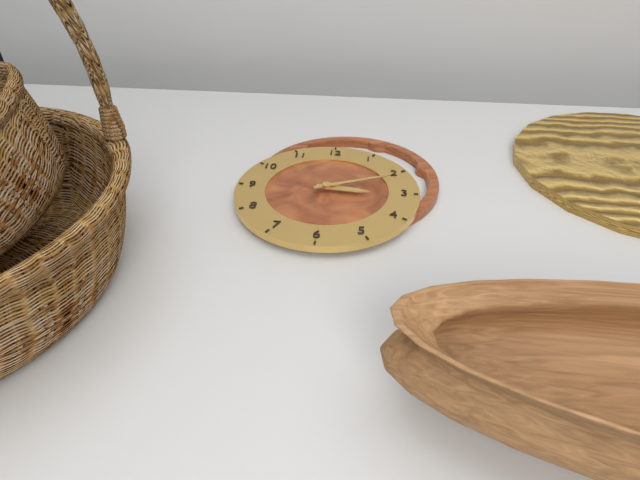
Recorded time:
3h11
